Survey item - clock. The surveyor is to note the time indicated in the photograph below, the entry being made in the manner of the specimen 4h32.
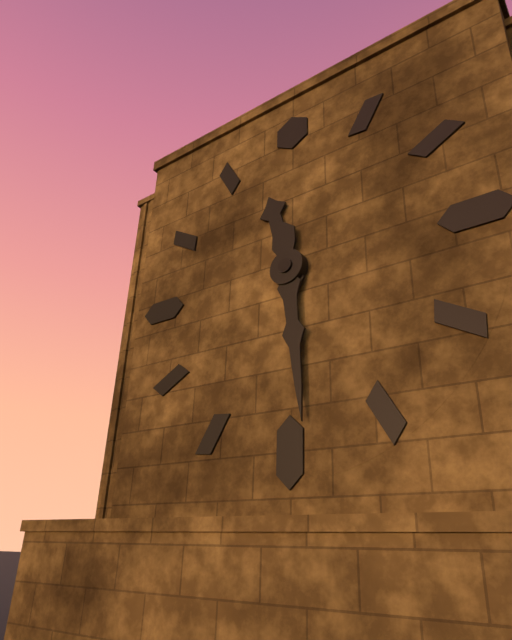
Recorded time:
11h29
